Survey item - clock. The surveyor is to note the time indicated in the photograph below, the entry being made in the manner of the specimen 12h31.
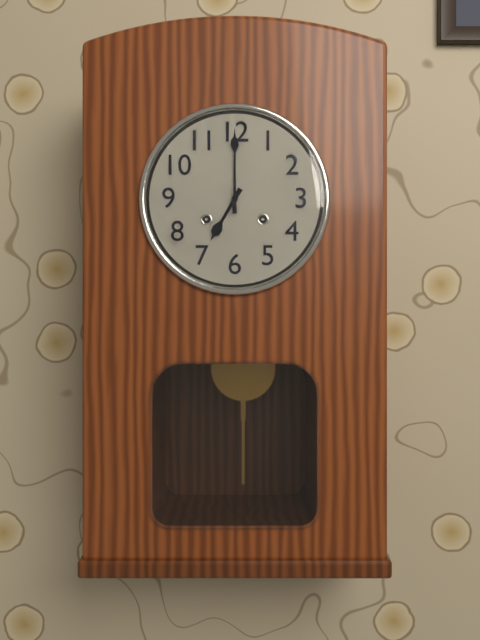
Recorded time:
7h00
